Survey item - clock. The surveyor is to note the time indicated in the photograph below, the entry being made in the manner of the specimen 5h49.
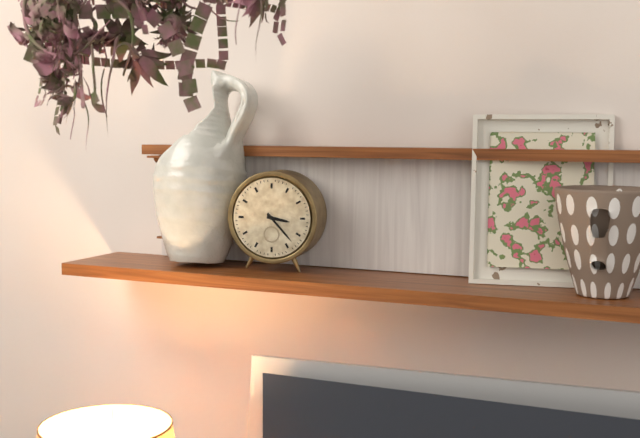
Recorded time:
3h23
